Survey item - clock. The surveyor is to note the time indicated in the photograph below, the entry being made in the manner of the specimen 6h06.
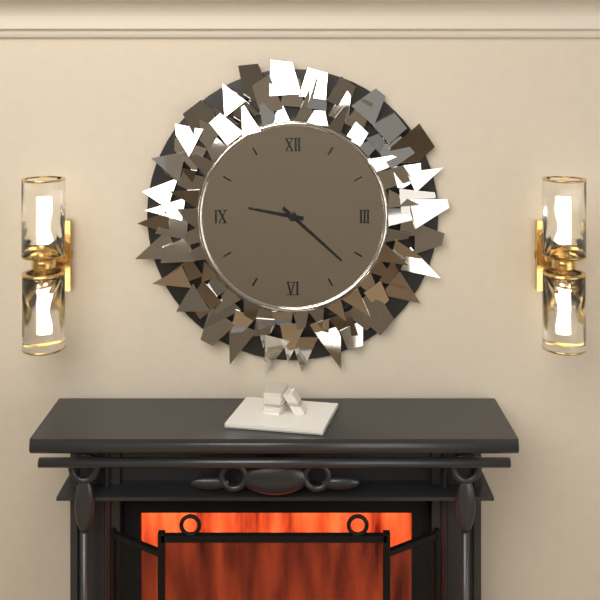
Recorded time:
9h22
